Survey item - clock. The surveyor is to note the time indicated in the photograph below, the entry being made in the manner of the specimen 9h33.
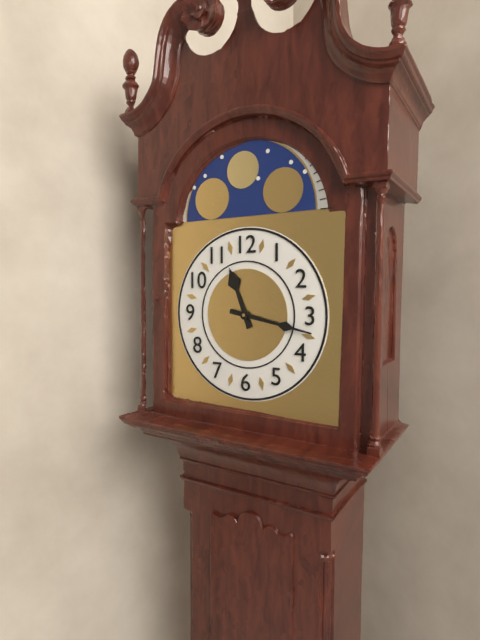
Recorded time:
11h17
